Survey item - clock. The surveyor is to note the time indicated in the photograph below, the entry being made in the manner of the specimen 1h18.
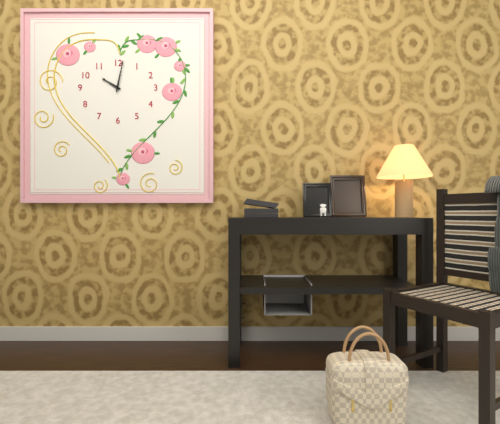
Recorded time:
10h02
